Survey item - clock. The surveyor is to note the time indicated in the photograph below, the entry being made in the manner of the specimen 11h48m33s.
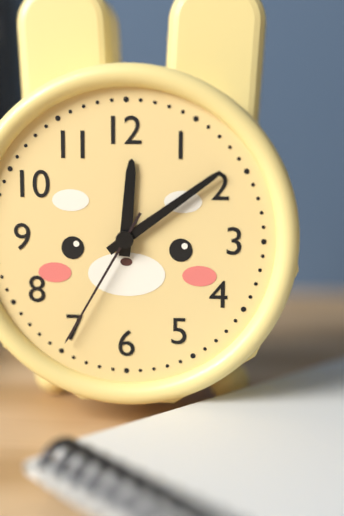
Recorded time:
12h09m35s
